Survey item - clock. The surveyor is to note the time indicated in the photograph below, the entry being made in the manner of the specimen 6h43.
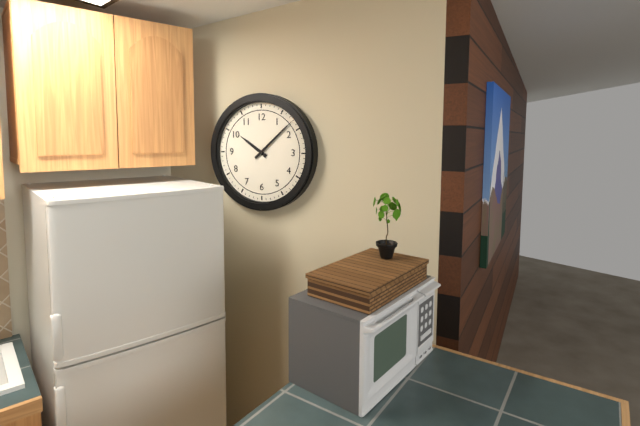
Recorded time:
10h08
